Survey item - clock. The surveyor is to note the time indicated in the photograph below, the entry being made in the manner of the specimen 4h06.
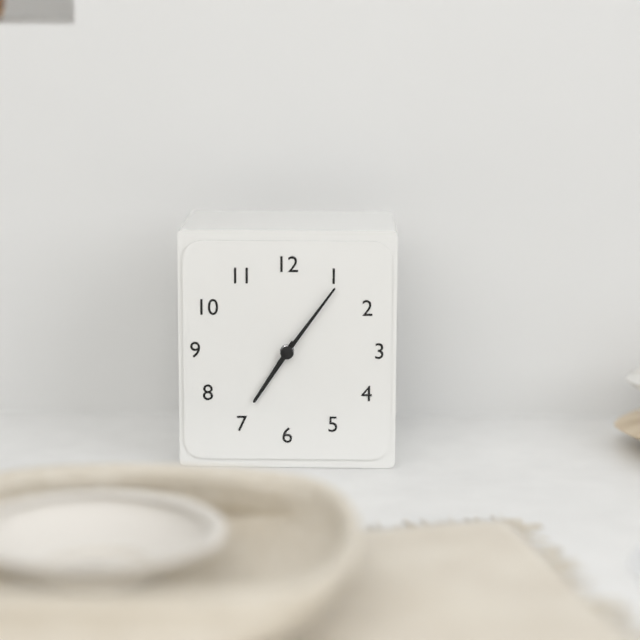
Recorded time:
7h06
